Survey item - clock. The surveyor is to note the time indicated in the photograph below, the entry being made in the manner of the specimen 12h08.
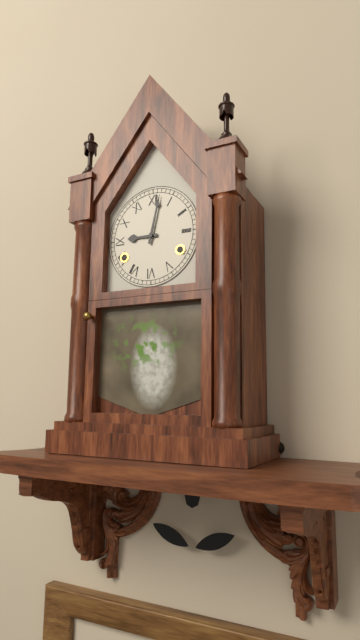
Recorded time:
9h02
